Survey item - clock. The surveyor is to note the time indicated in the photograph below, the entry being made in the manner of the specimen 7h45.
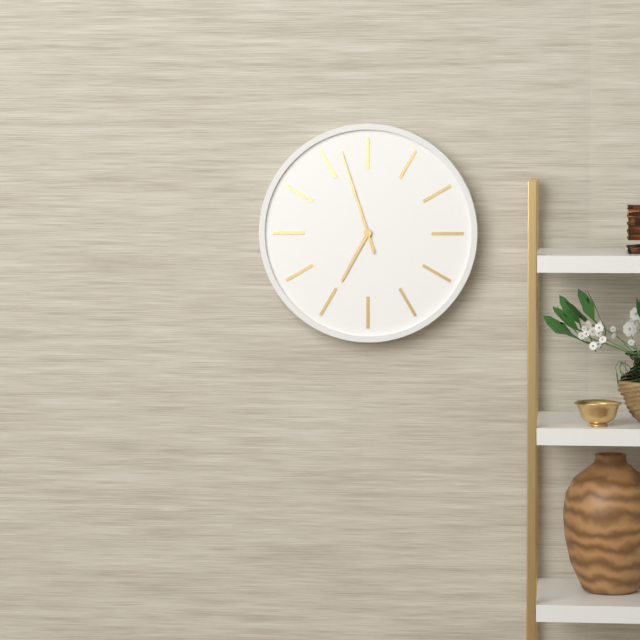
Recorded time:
6h57
